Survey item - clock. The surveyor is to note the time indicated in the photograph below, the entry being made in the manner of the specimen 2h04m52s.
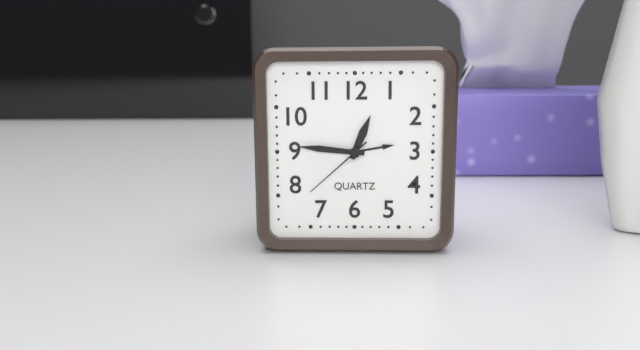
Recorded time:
12h46m38s
